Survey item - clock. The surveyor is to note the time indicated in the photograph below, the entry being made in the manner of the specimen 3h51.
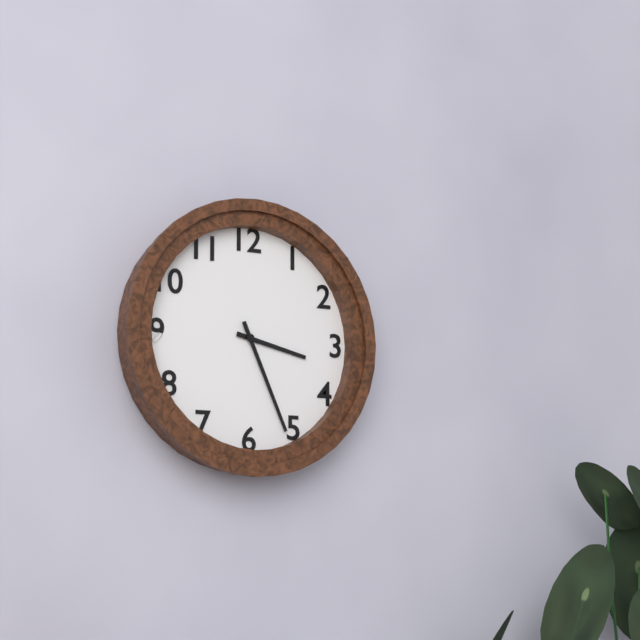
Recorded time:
3h26
